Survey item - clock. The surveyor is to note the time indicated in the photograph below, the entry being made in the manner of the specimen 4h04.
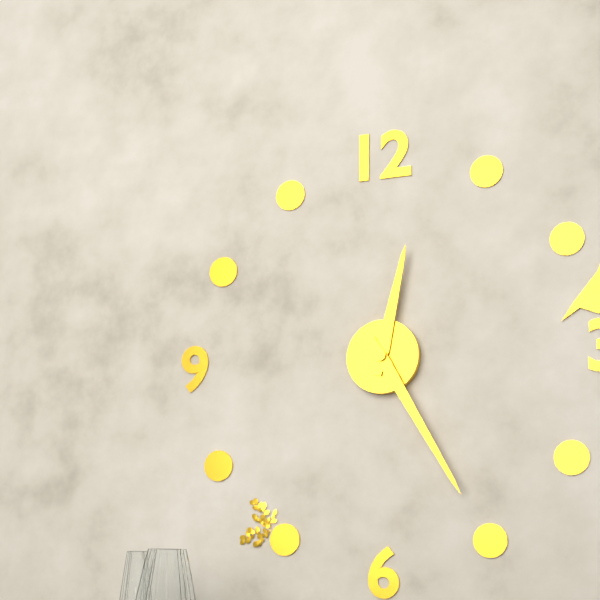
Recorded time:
12h25
